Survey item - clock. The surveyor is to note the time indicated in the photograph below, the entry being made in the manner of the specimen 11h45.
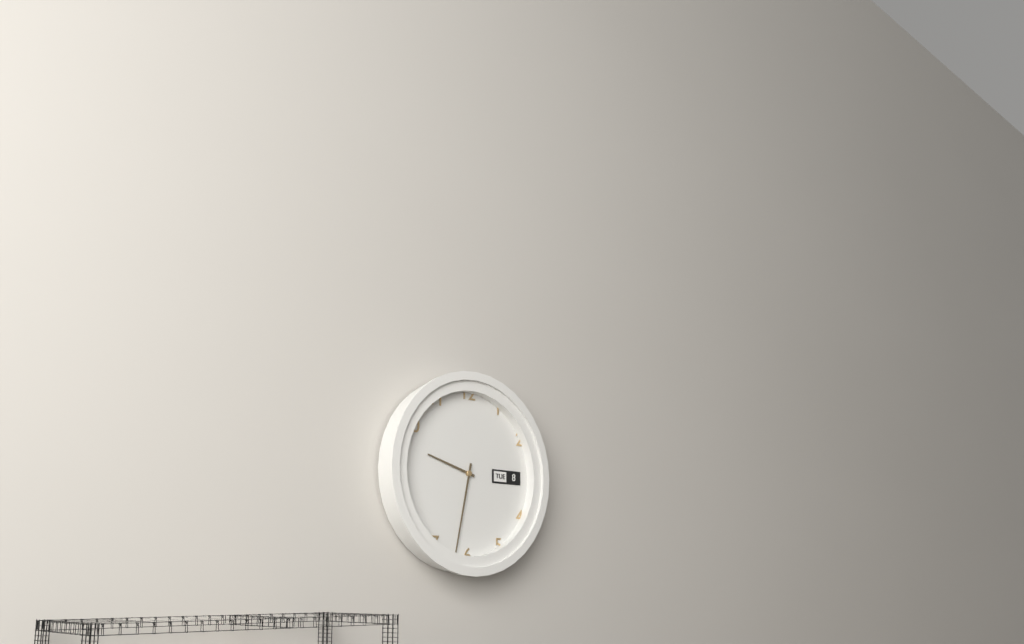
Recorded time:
9h32
